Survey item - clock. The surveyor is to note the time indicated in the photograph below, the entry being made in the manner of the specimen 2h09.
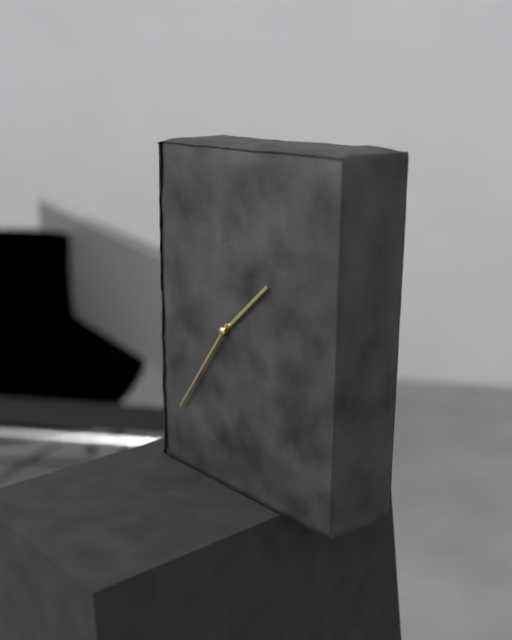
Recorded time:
1h36
